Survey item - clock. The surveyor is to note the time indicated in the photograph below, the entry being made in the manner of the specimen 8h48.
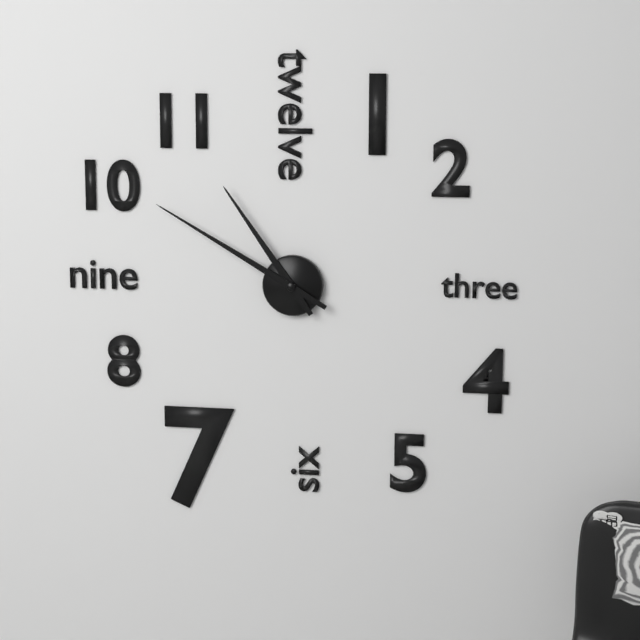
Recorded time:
10h50
